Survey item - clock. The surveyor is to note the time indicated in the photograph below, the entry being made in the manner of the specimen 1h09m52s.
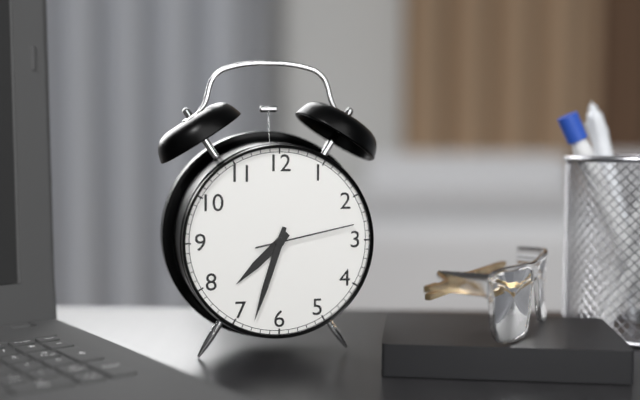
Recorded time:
7h33m13s
